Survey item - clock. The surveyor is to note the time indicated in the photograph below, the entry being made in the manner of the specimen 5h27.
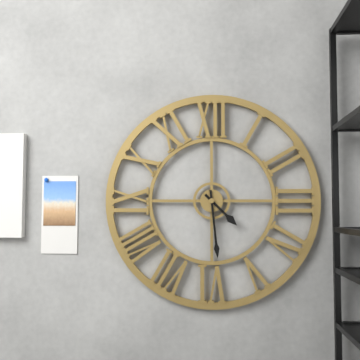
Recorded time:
4h29
